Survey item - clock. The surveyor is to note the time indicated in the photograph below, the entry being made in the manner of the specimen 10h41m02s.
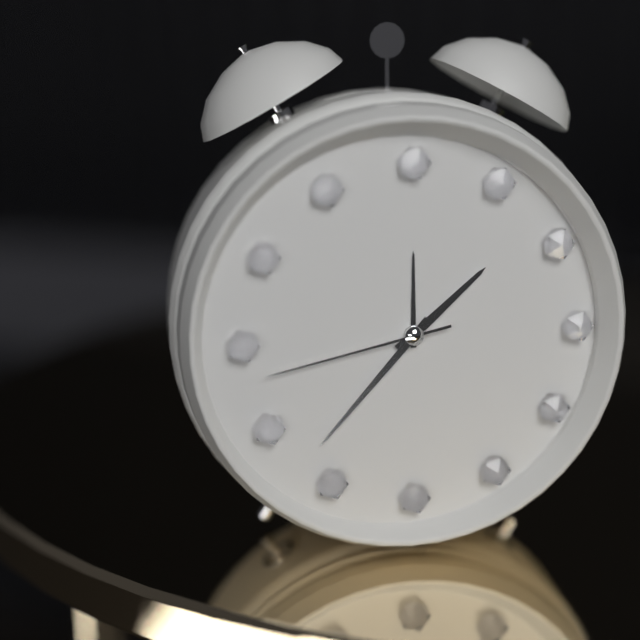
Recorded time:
1h37m43s
